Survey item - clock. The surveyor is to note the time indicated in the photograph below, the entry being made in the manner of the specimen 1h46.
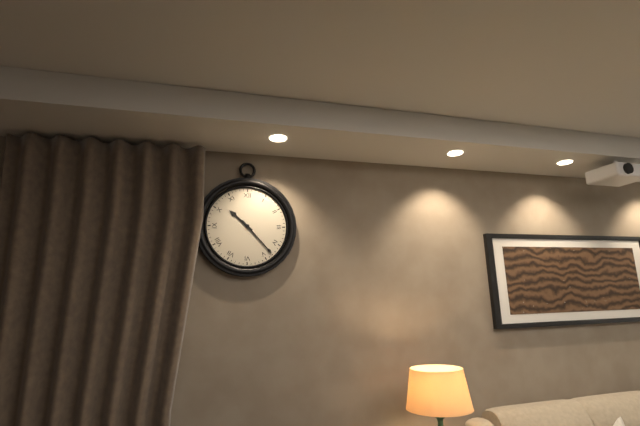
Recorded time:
10h23
